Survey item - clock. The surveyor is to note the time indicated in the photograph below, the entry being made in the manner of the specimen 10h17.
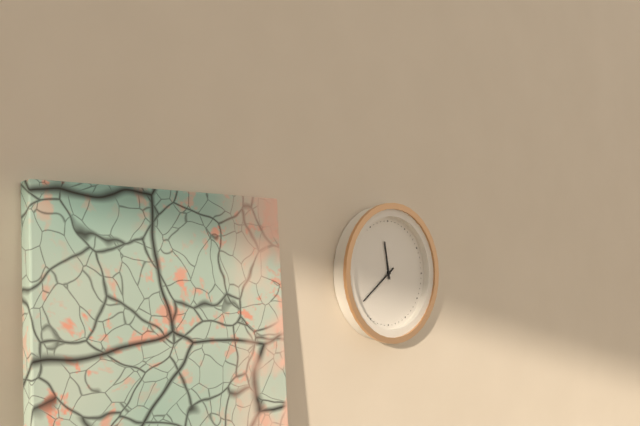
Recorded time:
11h39
